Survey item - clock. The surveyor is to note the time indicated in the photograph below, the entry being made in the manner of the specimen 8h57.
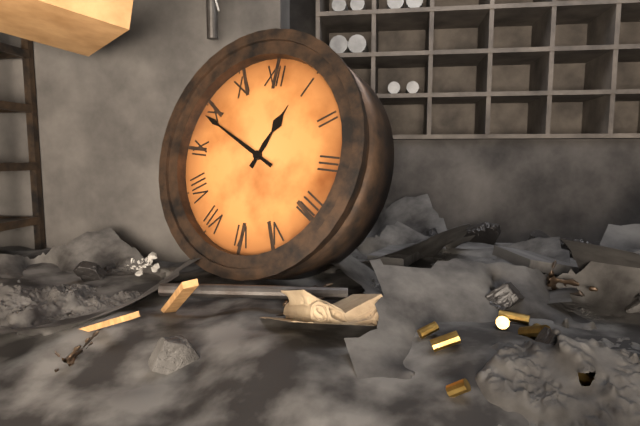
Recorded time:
12h49
